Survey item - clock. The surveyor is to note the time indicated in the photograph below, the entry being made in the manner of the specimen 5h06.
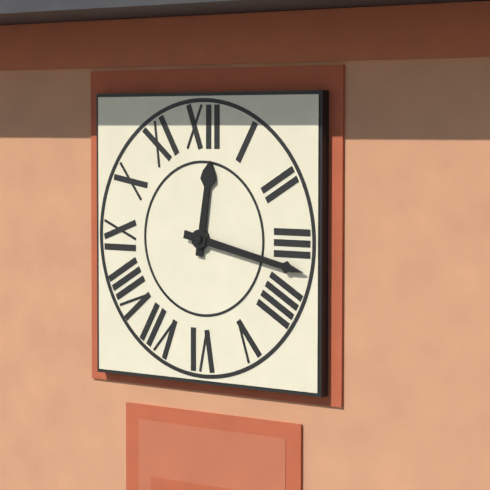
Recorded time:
12h17
